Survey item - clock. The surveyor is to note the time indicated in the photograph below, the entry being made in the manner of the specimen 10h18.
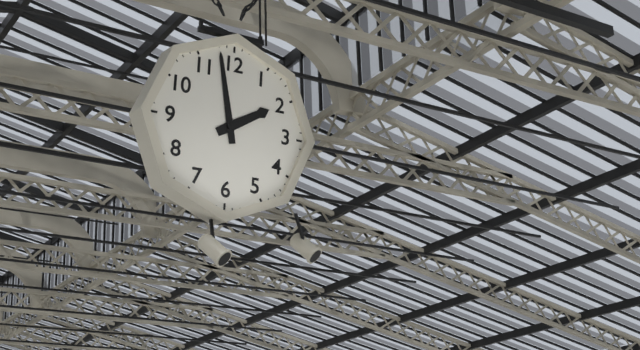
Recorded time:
1h58
